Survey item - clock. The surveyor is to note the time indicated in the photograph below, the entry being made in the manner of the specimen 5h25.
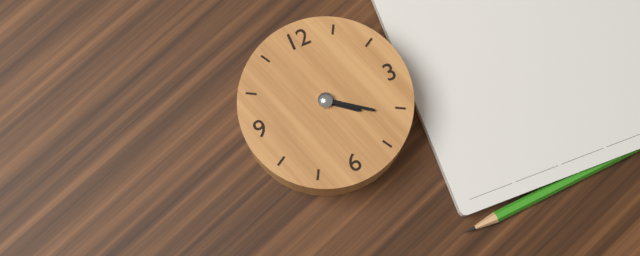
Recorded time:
4h21
